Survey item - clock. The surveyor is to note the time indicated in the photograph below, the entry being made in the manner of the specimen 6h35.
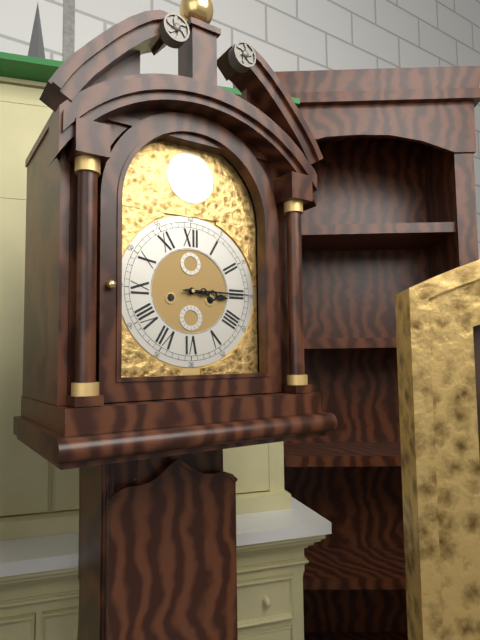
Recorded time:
3h15
